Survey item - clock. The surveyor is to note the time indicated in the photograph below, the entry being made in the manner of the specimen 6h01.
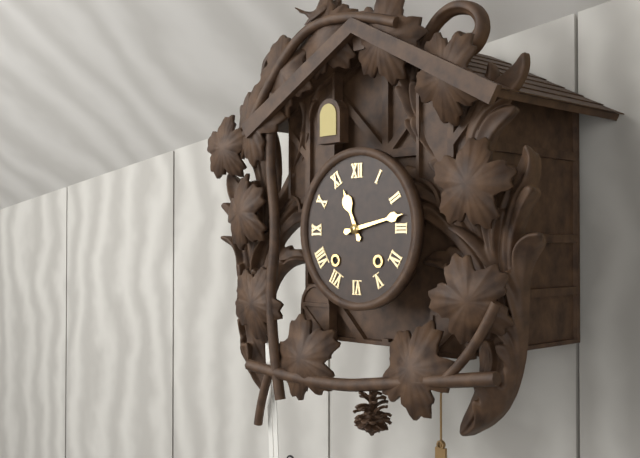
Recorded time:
11h13
